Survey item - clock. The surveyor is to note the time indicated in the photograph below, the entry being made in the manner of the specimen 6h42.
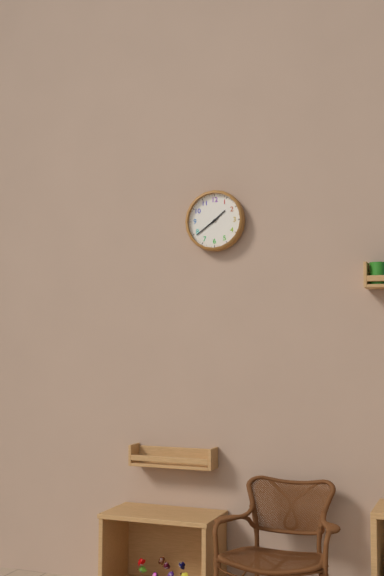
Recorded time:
1h39
